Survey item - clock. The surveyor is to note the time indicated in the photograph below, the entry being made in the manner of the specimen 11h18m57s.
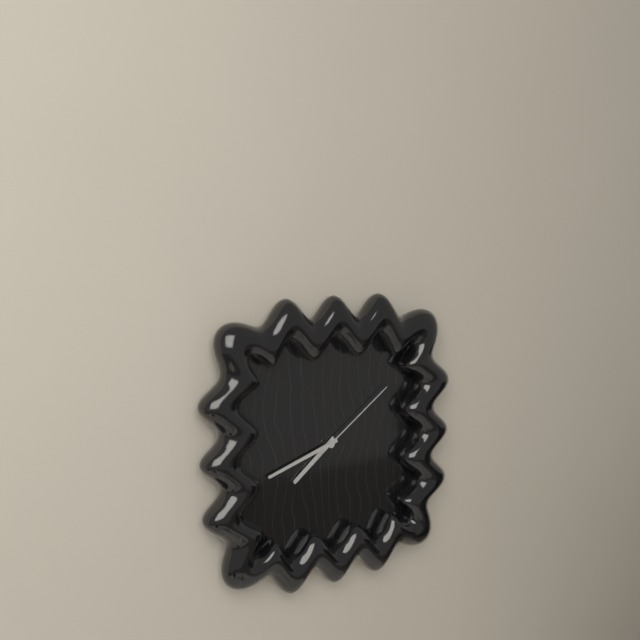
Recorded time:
7h42m09s
